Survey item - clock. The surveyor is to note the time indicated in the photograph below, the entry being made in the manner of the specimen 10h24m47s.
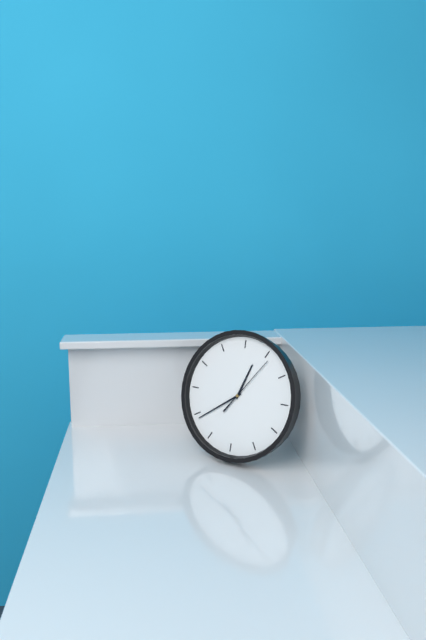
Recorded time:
12h39m06s
